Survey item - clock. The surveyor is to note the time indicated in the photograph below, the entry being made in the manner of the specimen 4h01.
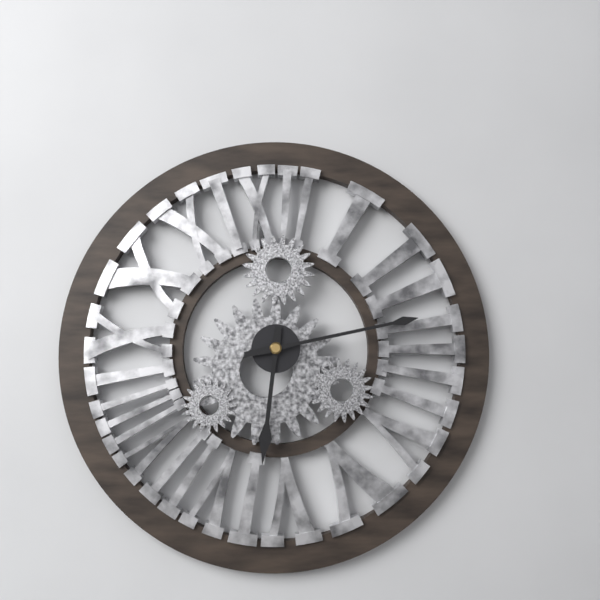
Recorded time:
6h13
